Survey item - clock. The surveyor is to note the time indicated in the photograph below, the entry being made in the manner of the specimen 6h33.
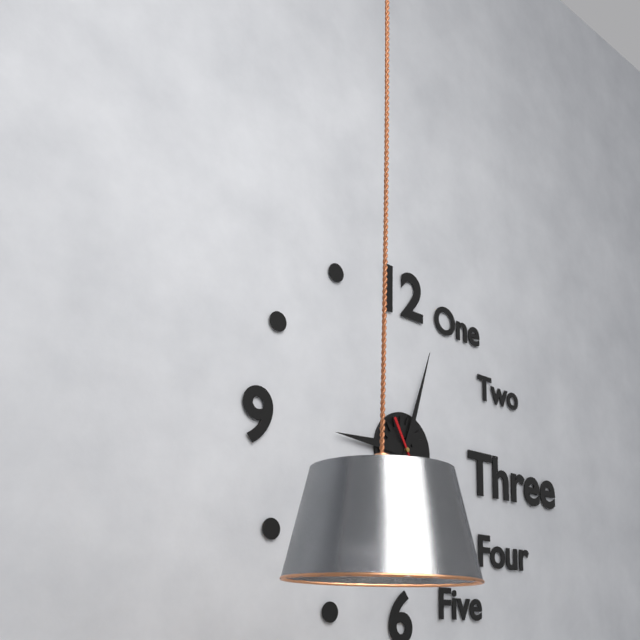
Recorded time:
9h03
